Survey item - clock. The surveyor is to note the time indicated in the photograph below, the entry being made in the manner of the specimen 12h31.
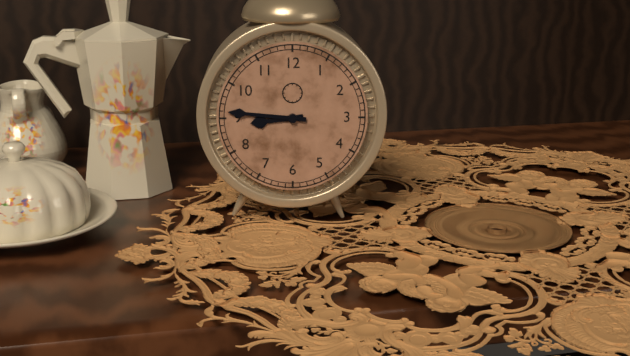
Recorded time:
8h46
